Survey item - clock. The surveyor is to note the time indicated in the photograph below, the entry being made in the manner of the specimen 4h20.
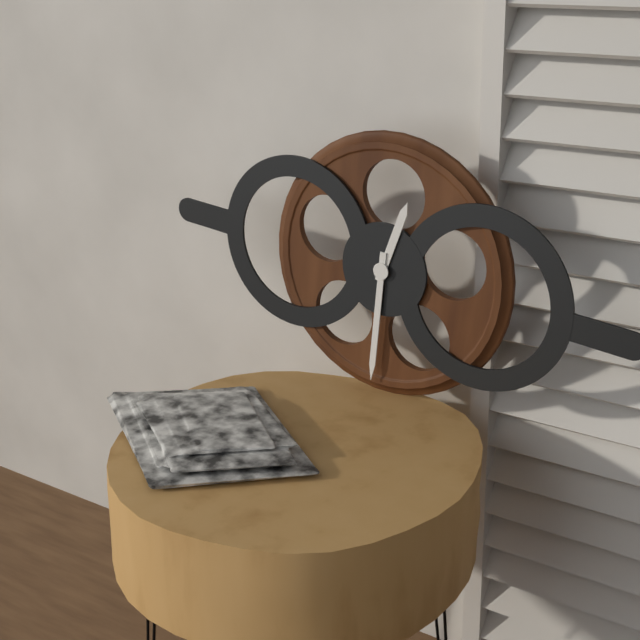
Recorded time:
12h30
